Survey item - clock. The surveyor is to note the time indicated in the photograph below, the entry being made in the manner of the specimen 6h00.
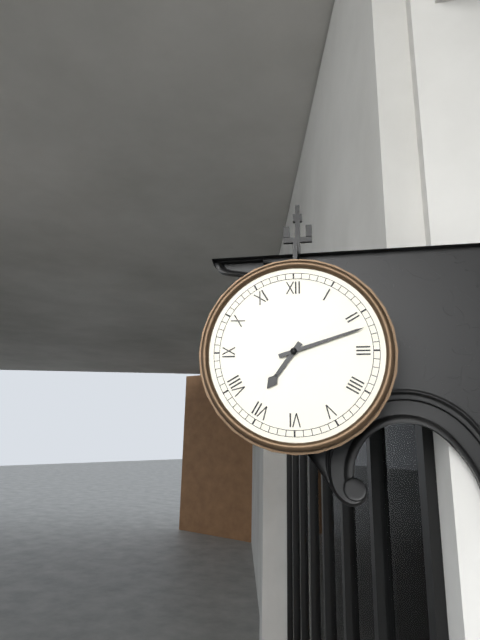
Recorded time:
7h12
